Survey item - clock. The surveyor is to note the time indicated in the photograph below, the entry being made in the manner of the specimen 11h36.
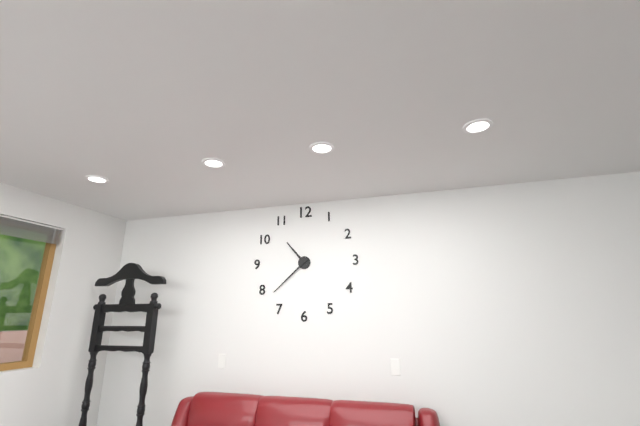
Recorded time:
10h38
